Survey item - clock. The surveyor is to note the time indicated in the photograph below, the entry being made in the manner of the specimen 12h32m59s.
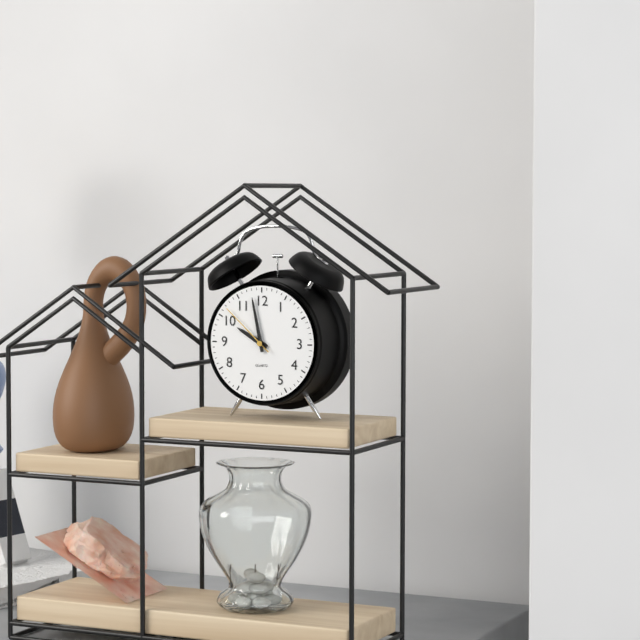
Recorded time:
9h58m52s
